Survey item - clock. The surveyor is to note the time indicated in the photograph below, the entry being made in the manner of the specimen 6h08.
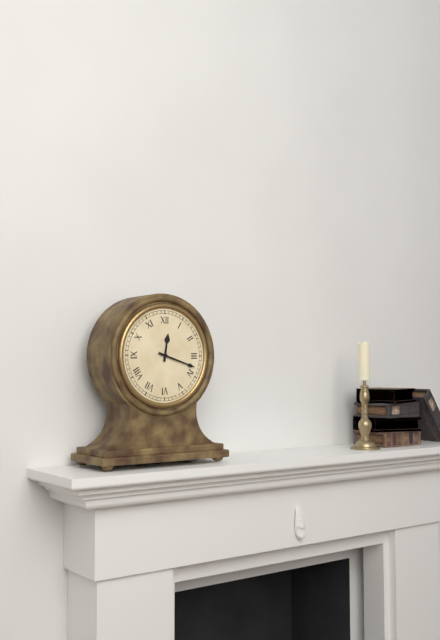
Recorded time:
12h18
